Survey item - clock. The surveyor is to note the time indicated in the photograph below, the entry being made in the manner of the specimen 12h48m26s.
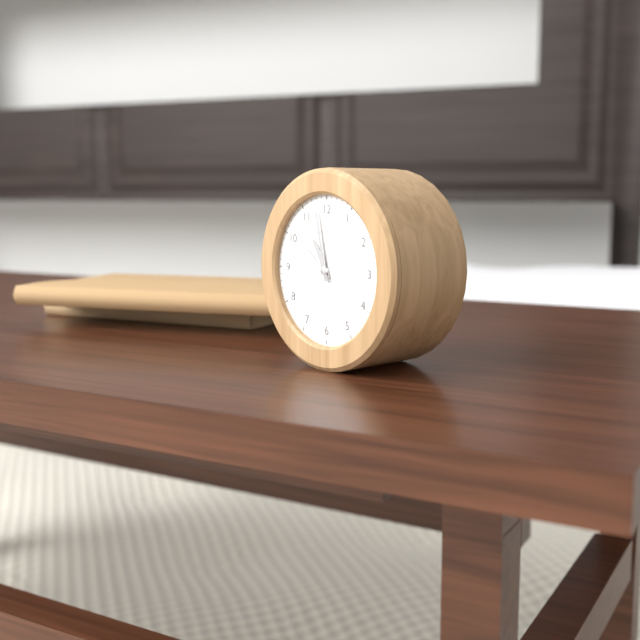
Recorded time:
10h58m52s
